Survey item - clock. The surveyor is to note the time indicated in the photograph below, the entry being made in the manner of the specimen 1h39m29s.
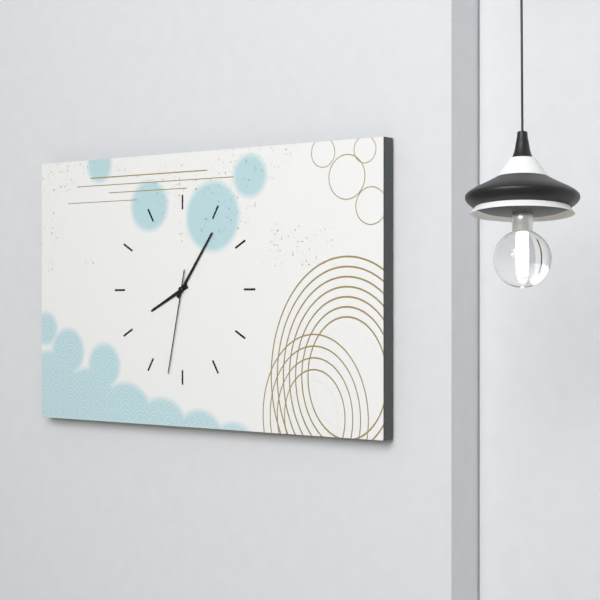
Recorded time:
8h06m32s
